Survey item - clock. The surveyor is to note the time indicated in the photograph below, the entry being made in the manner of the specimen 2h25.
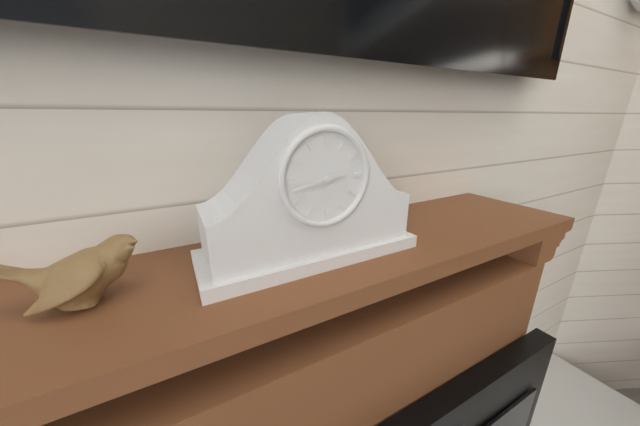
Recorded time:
2h43
